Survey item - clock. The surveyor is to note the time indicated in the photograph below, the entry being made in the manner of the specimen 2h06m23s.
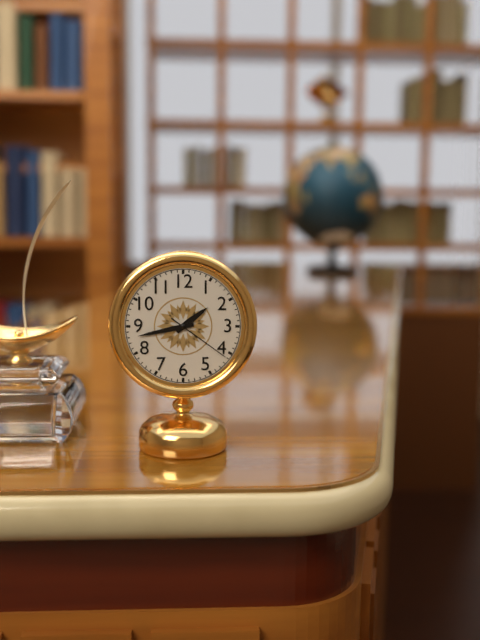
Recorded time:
1h43m21s
